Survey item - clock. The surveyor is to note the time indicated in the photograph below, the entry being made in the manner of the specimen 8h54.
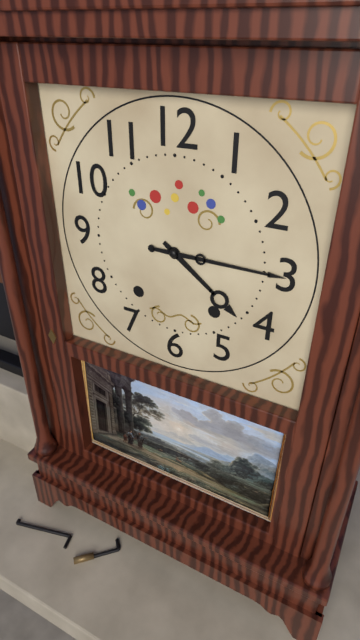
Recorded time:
4h15
